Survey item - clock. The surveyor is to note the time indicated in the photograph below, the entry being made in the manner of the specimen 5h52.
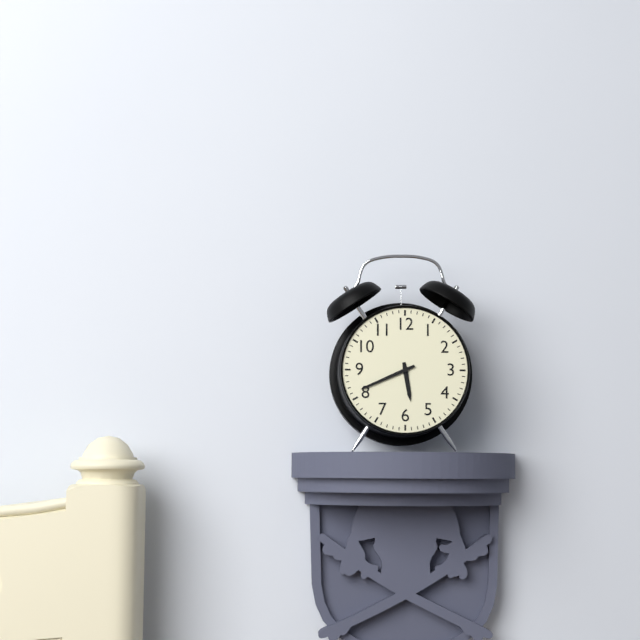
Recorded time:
5h41
